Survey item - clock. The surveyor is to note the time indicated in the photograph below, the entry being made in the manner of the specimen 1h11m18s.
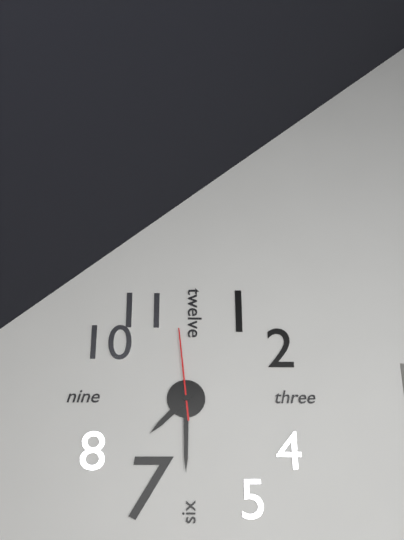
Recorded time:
7h30m59s
